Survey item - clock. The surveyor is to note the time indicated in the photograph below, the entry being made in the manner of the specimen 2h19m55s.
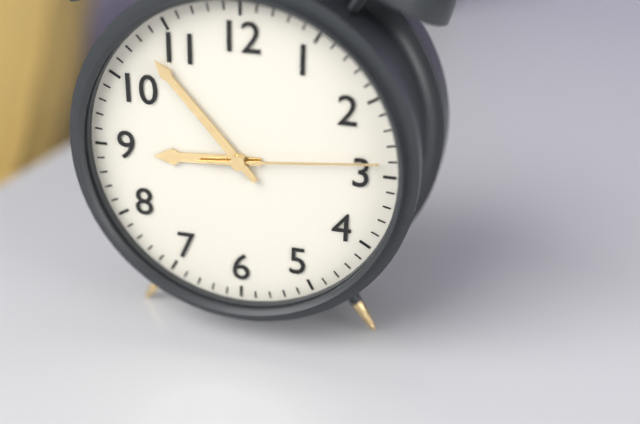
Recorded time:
8h53m14s
